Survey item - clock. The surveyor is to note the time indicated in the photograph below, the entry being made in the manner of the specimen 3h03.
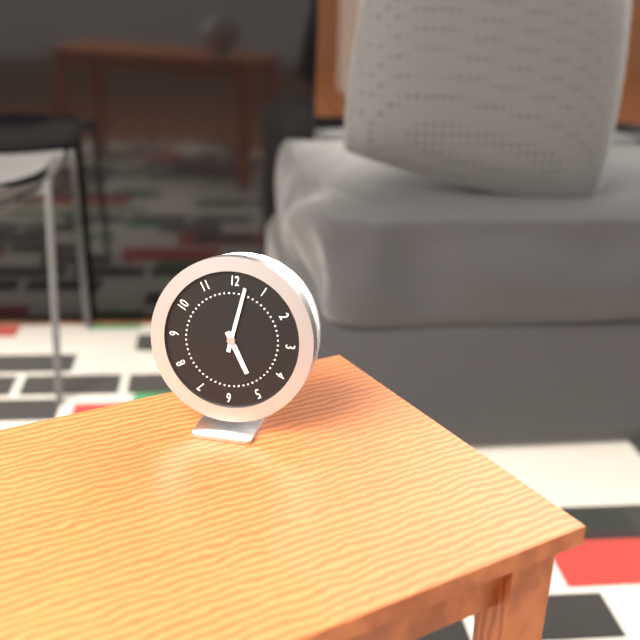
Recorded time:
5h02
